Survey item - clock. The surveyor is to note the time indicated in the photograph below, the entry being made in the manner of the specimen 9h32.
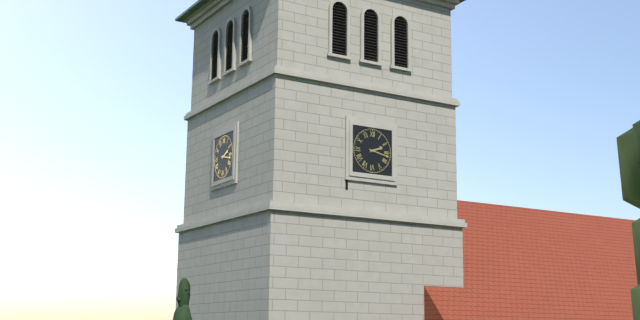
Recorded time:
2h17
